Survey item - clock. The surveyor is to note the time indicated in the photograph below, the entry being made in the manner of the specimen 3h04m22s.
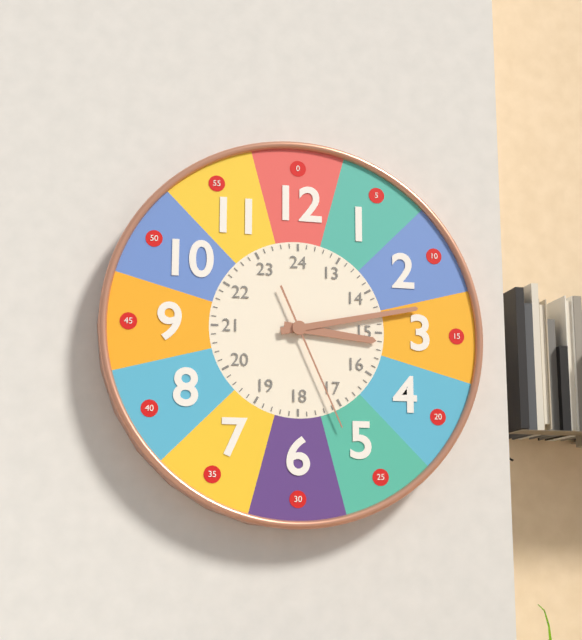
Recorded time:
3h13m26s
